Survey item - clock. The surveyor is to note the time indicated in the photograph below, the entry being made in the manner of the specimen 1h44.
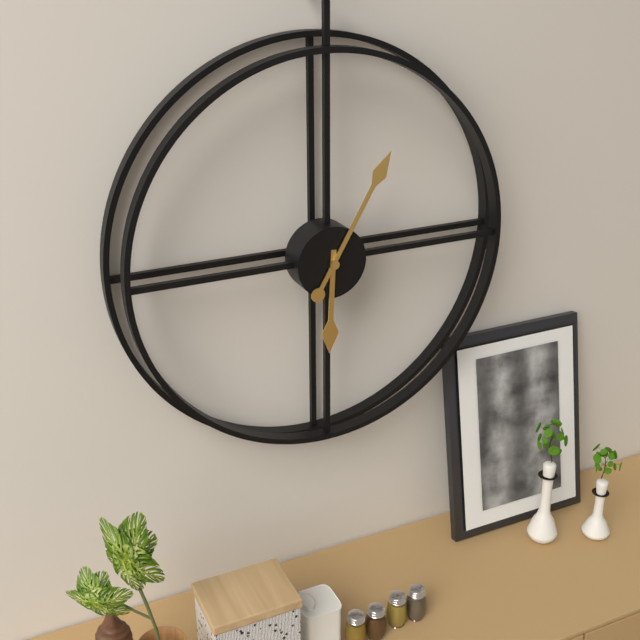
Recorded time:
6h05
